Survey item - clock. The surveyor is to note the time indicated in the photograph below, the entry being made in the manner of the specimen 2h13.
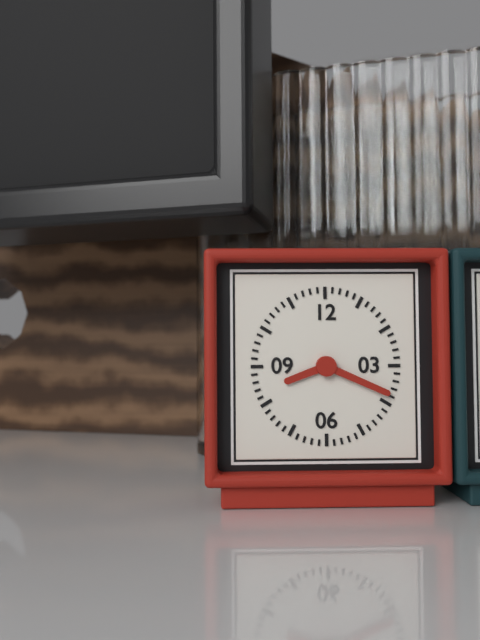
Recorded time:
8h19
